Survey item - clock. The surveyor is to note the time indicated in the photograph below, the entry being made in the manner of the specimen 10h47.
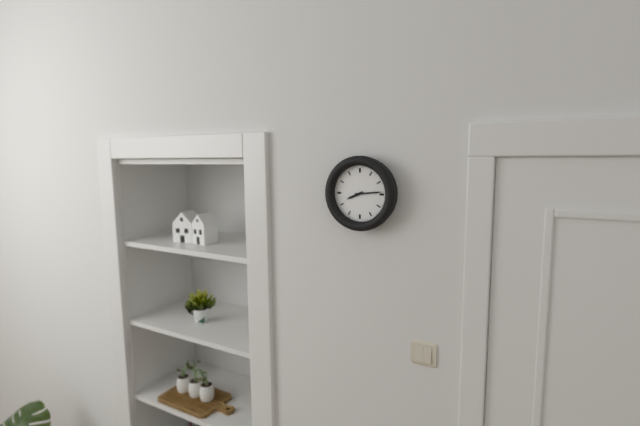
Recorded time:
8h14
